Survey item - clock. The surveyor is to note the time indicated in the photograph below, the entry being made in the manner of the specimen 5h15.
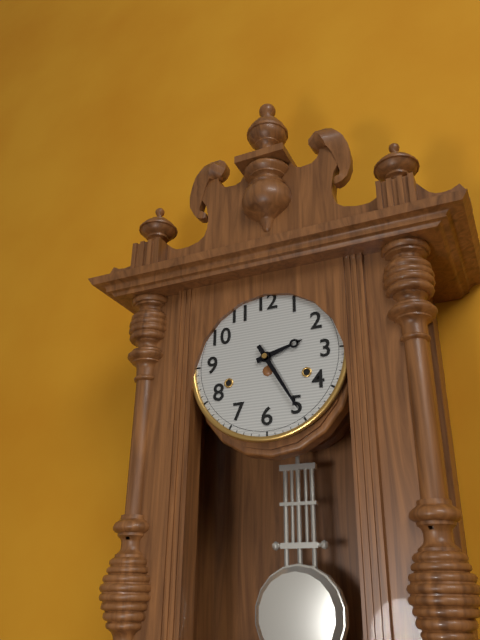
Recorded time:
2h25
